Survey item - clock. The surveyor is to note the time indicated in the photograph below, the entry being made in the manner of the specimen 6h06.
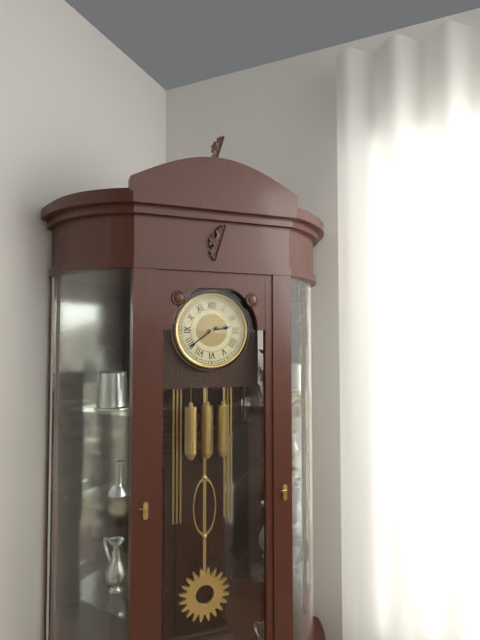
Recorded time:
2h39
